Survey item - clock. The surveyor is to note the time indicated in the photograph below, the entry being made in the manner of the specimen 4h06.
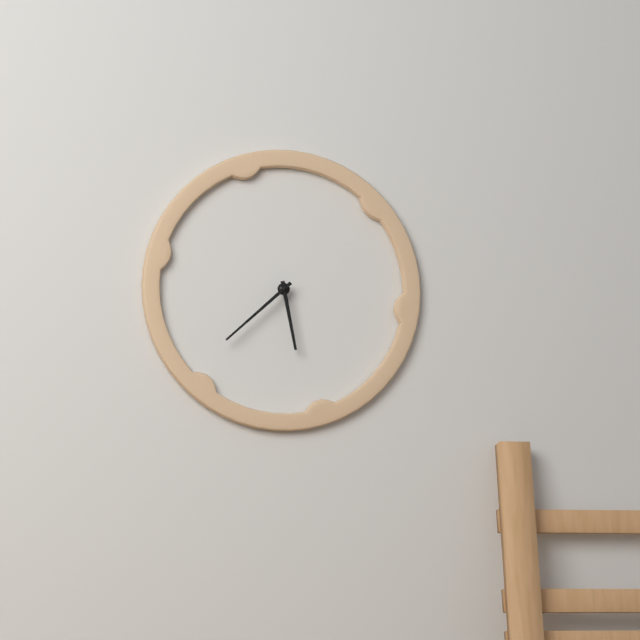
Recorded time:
5h38
